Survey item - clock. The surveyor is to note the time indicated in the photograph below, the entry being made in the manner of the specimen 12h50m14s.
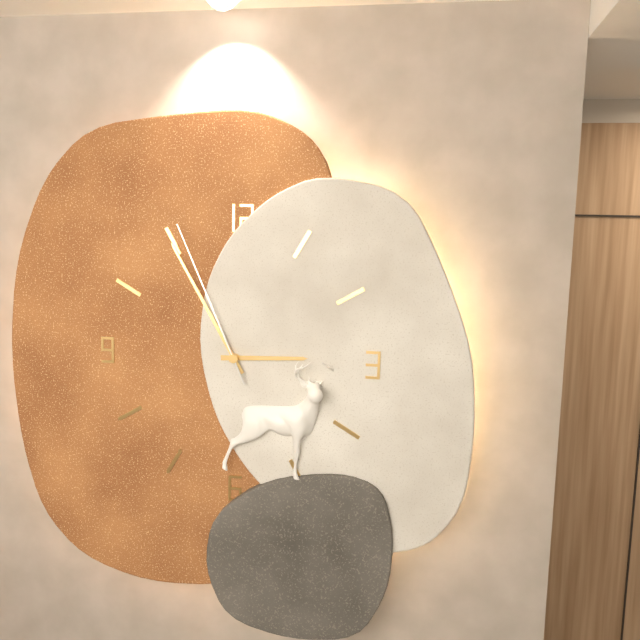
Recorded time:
2h55m56s
